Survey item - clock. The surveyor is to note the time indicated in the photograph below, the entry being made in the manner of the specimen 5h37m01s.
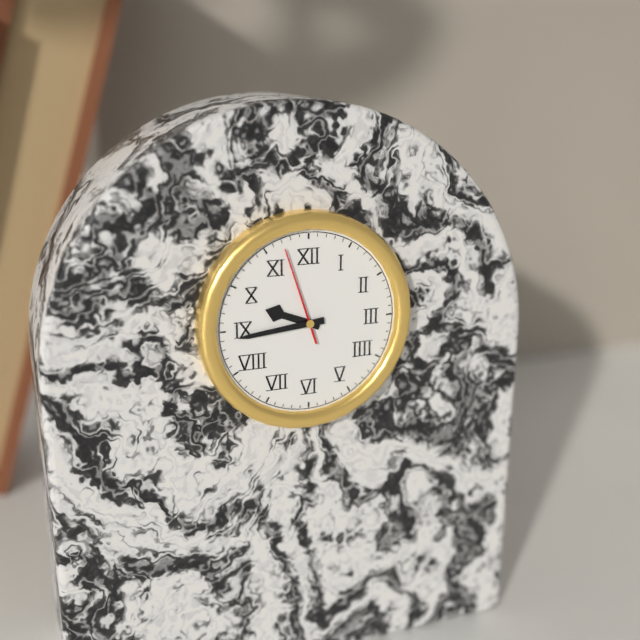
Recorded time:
9h44m57s
